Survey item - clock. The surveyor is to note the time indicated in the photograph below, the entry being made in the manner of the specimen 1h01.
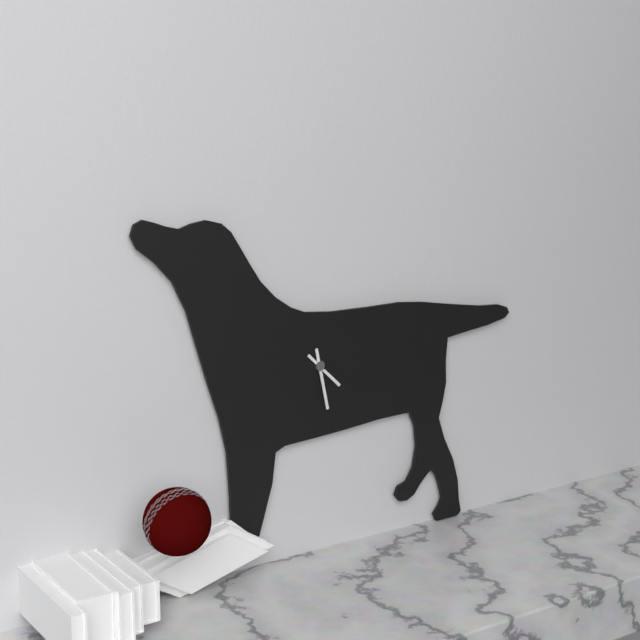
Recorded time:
4h28
